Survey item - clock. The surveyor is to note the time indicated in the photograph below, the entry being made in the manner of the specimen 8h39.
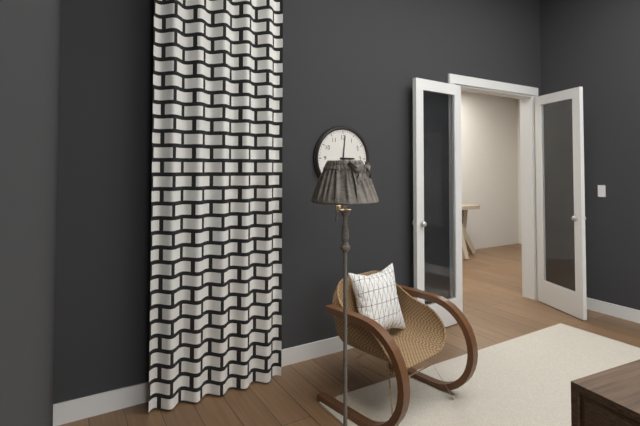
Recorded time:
3h01
